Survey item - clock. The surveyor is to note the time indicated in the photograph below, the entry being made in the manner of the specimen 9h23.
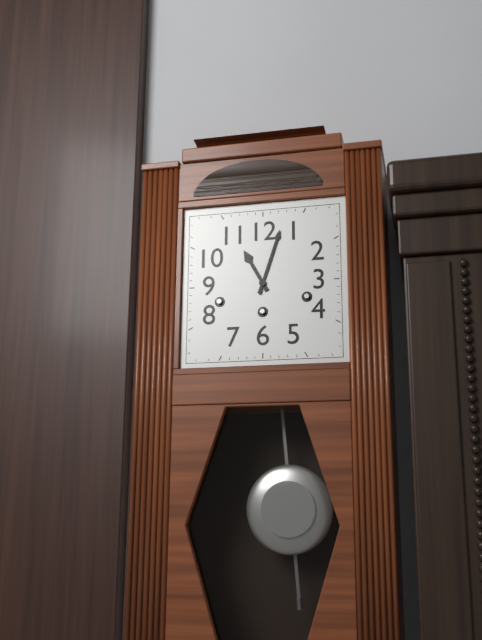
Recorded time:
11h03
